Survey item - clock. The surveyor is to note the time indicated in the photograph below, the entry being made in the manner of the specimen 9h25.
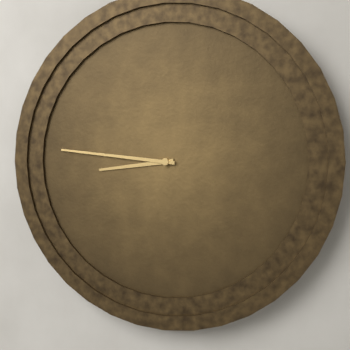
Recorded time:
8h46
